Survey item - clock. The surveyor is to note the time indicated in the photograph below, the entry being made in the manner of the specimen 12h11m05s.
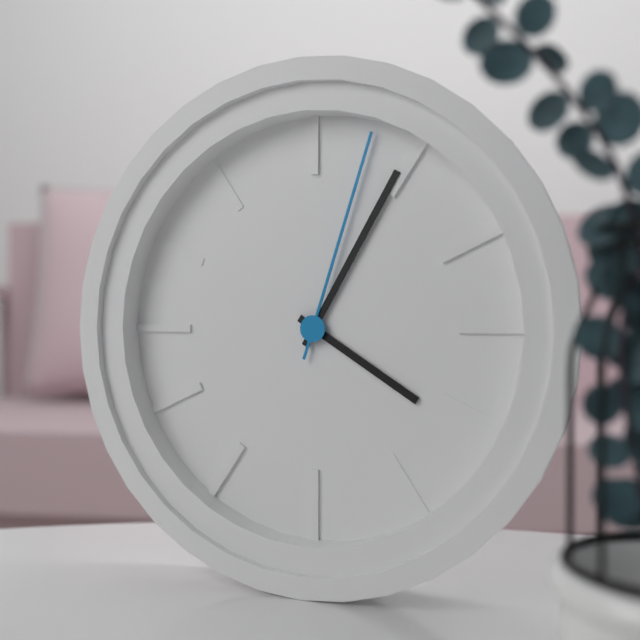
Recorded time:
4h05m03s
